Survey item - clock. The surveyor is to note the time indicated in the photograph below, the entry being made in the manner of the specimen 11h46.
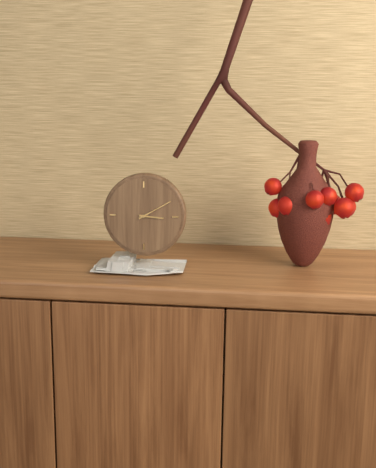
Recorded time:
3h10
